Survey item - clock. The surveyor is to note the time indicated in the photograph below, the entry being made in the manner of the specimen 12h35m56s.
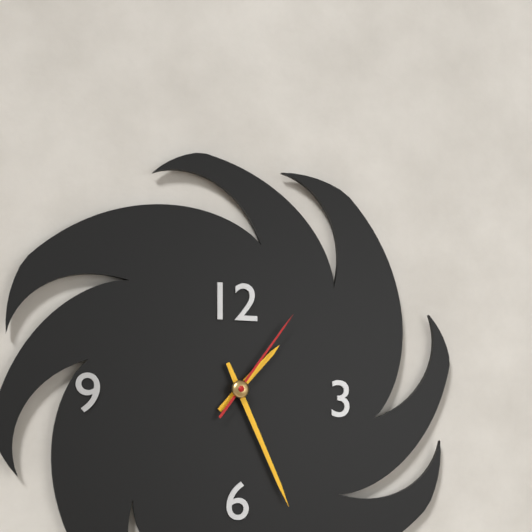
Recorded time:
1h26m06s
